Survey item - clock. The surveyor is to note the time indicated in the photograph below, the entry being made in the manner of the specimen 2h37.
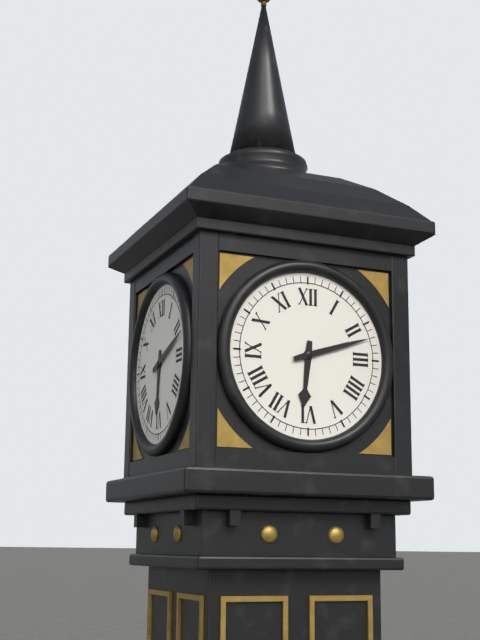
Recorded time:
6h12
